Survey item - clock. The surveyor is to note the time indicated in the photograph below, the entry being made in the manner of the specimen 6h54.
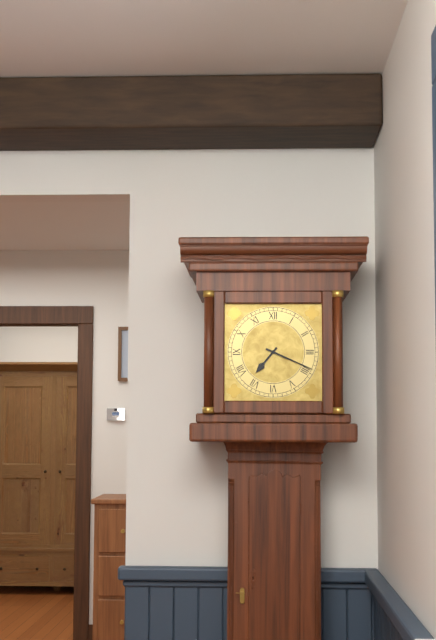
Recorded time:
7h19
